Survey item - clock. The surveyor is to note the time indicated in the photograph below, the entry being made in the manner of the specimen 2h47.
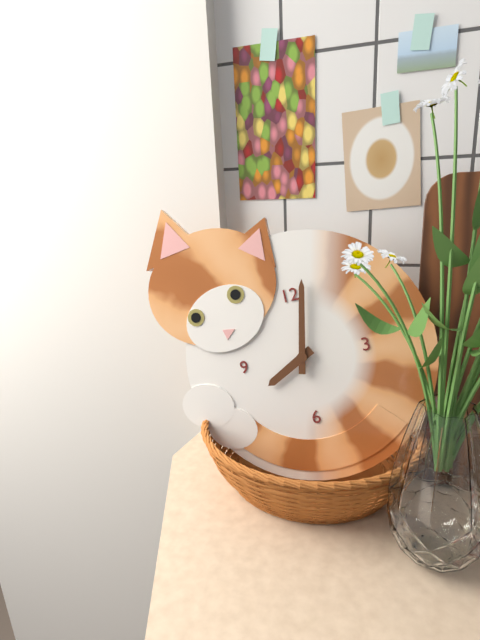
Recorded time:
8h02
